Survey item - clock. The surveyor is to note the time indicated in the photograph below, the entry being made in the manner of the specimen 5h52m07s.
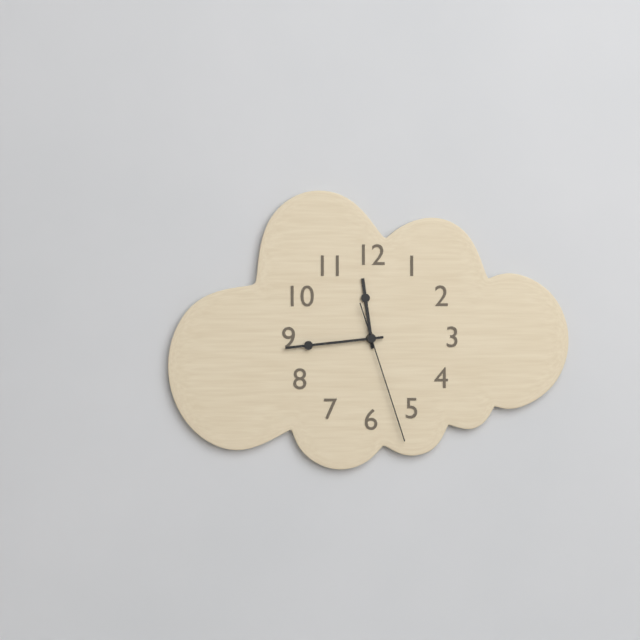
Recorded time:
11h44m27s
